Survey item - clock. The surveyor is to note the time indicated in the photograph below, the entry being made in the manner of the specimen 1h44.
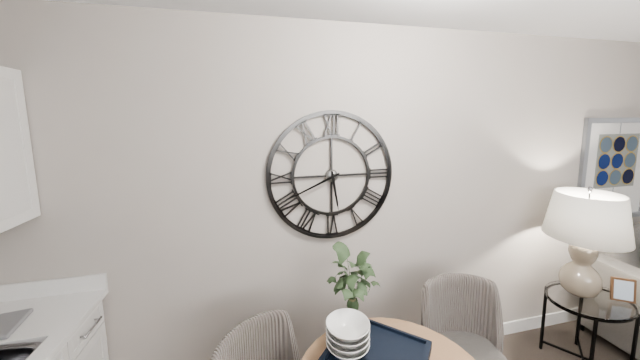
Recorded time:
5h41
